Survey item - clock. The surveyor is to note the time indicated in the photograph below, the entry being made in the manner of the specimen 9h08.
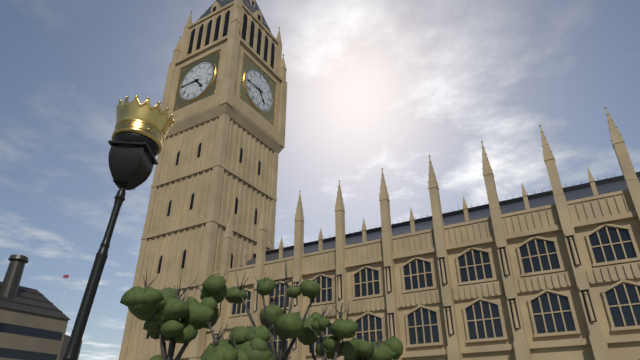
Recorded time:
4h45
